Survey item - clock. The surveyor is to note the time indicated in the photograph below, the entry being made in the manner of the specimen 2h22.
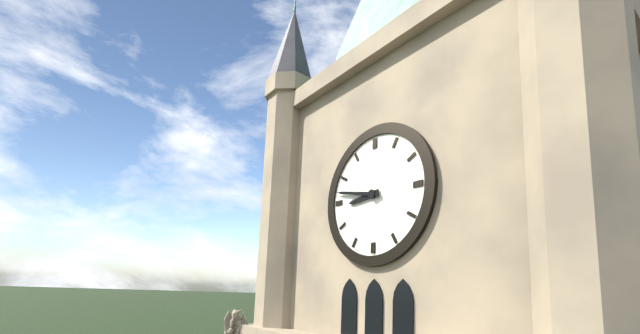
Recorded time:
8h47
